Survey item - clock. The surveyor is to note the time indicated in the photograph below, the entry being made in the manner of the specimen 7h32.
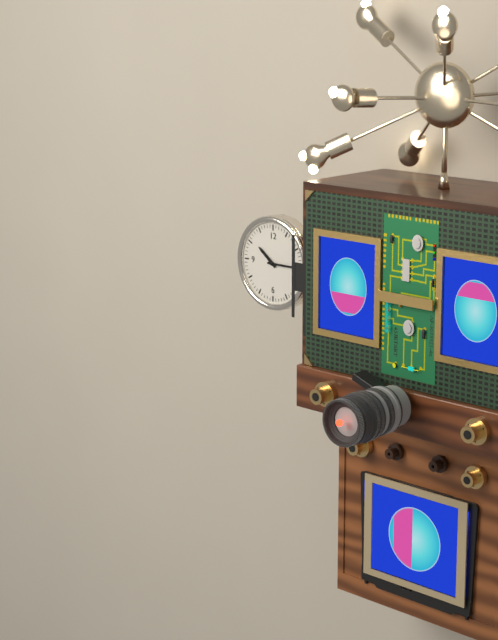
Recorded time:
10h15
